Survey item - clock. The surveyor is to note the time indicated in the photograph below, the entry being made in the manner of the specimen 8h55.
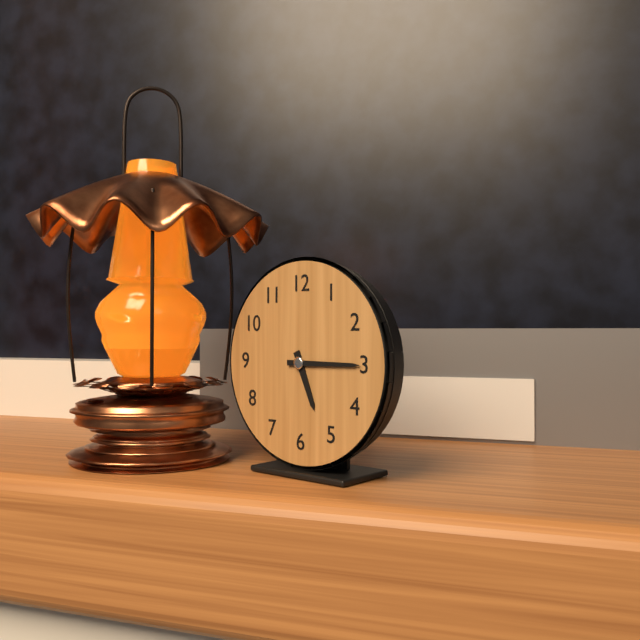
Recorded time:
5h15
